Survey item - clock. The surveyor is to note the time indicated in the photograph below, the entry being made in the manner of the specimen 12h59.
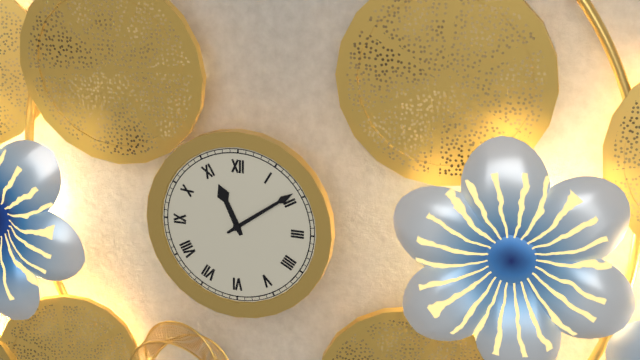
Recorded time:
11h09
